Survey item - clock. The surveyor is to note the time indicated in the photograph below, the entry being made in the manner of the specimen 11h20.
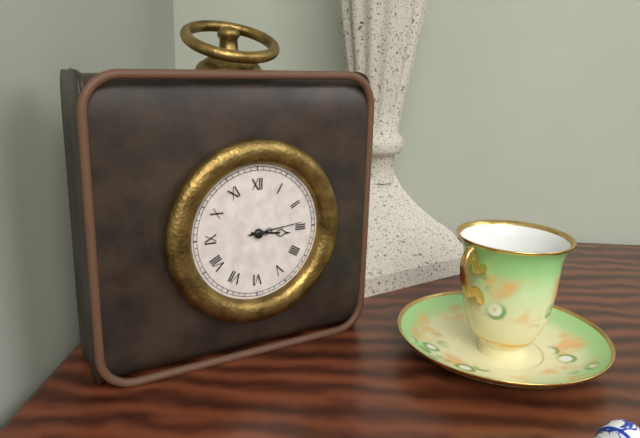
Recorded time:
3h14
